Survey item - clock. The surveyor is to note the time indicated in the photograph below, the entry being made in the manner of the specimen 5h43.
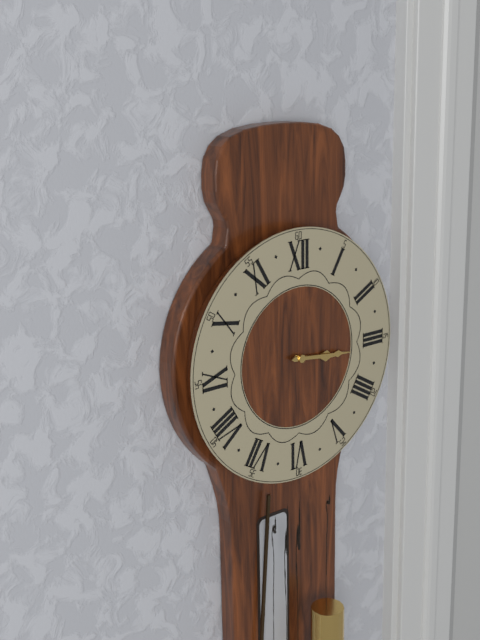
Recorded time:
3h16
